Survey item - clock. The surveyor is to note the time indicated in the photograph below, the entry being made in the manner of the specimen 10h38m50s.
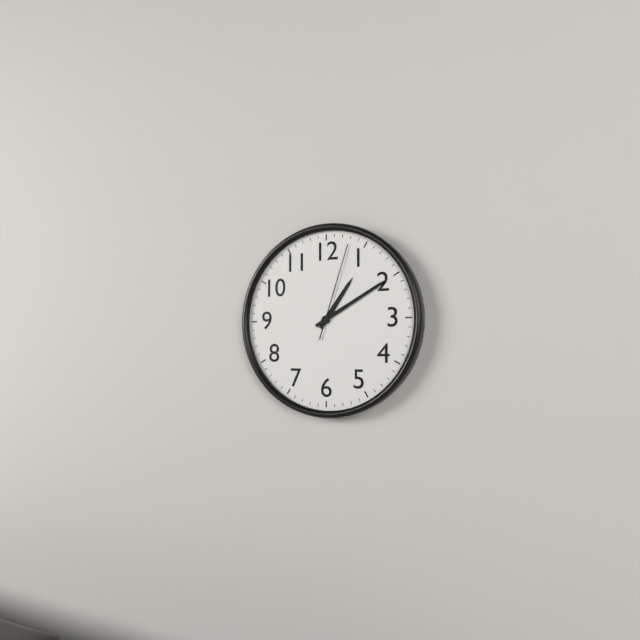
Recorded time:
1h10m03s
